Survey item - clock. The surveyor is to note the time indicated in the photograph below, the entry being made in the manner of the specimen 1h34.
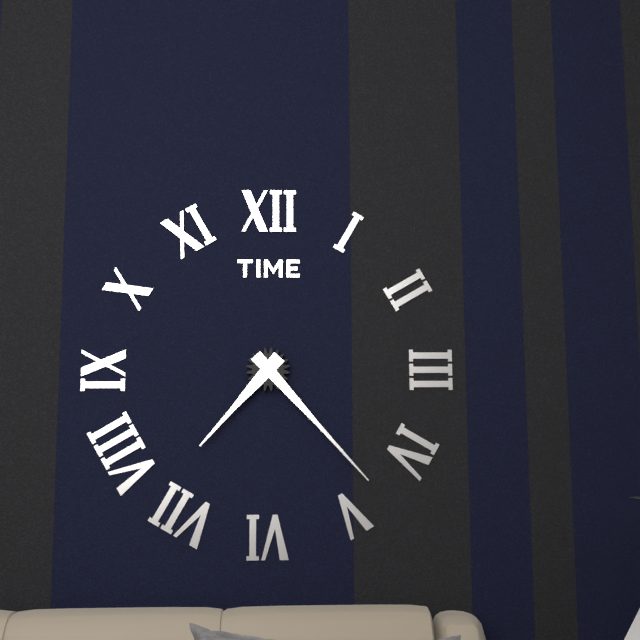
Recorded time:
7h23
